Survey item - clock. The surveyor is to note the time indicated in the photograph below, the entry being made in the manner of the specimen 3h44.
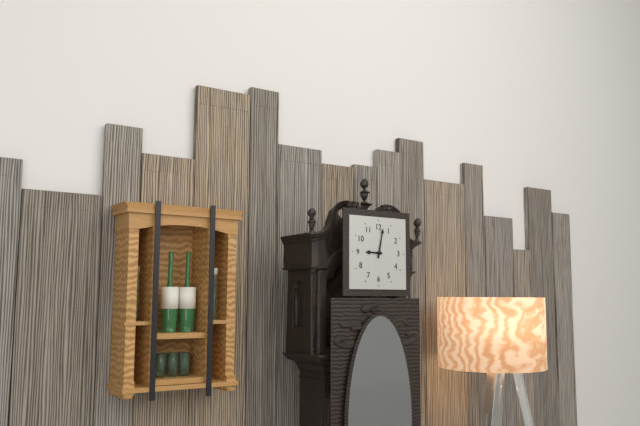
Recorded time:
9h02
